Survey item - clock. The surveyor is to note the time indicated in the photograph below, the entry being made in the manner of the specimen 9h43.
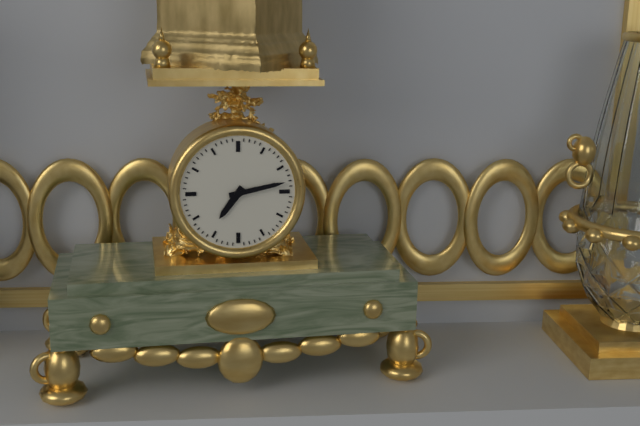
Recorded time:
7h13
